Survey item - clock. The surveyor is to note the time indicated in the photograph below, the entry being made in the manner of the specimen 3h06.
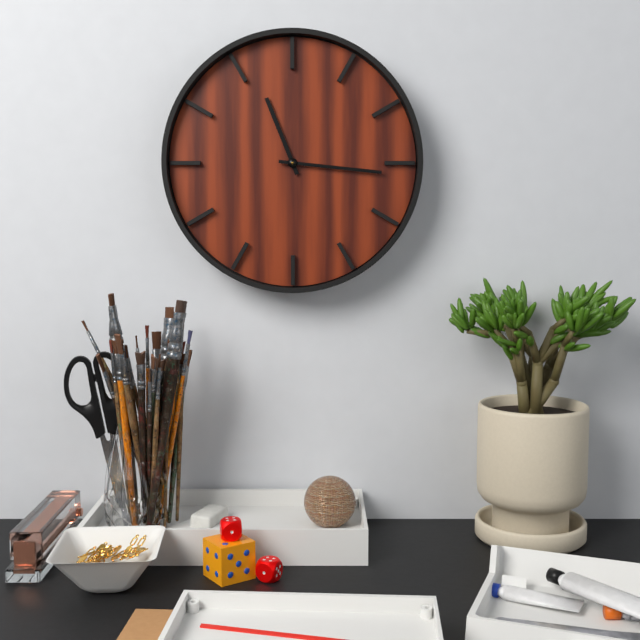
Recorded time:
11h16
